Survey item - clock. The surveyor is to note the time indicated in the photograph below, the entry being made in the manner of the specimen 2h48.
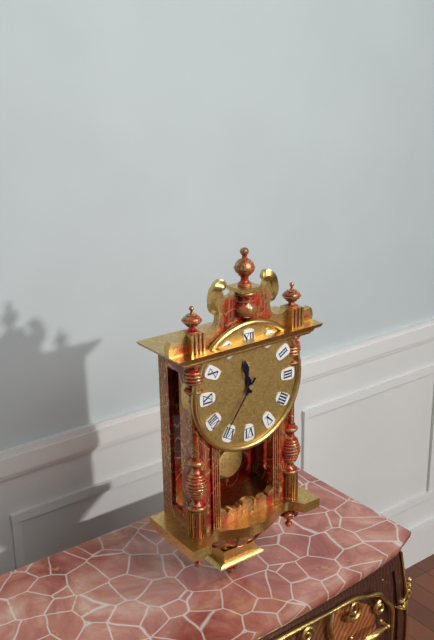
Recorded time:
11h36
